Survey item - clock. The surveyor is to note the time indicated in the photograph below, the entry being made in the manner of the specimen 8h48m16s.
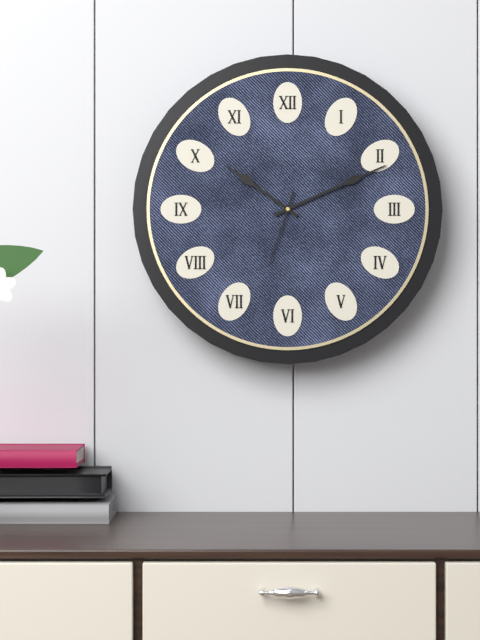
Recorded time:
10h11m33s
